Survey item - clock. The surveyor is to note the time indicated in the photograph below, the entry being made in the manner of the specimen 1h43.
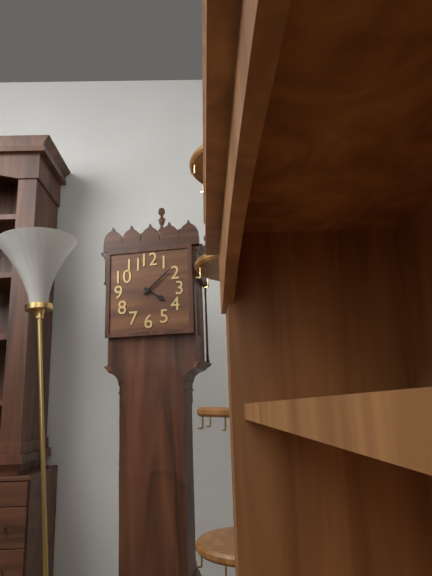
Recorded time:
4h08
